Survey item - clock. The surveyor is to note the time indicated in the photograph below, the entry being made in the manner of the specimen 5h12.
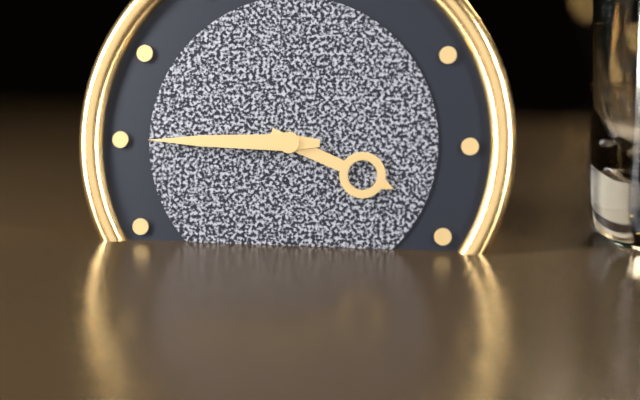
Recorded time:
3h45
